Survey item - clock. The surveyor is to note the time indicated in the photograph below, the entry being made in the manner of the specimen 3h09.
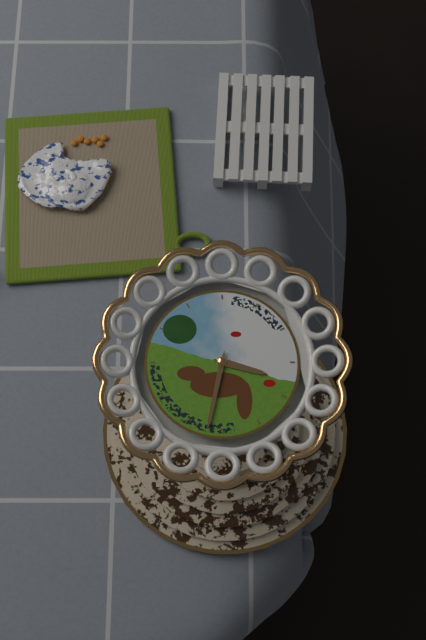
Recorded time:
3h32
